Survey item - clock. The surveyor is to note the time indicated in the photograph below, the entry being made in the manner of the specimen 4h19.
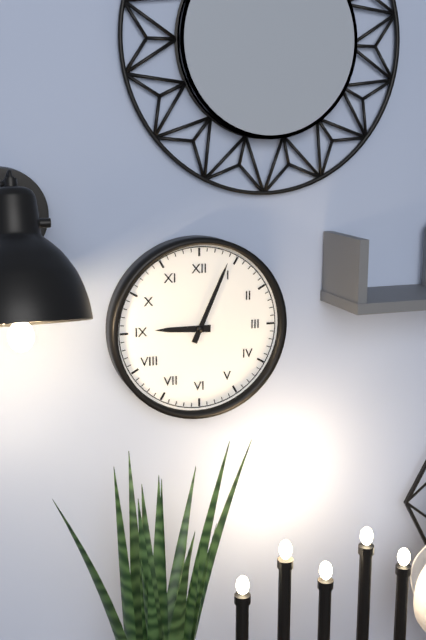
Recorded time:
9h04
